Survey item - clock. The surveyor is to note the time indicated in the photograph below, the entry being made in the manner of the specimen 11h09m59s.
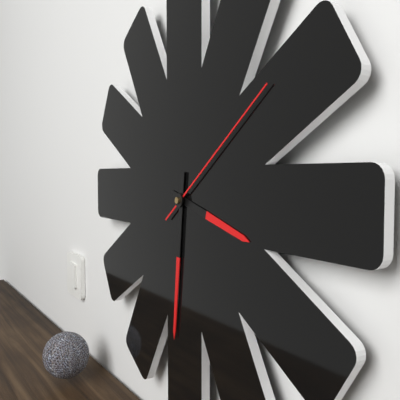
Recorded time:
3h31m09s
